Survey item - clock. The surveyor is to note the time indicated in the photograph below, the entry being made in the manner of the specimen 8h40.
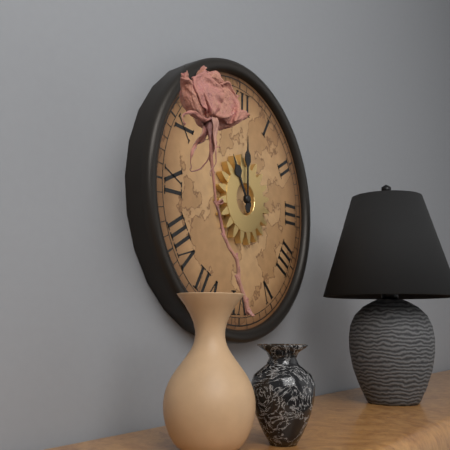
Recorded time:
11h00
